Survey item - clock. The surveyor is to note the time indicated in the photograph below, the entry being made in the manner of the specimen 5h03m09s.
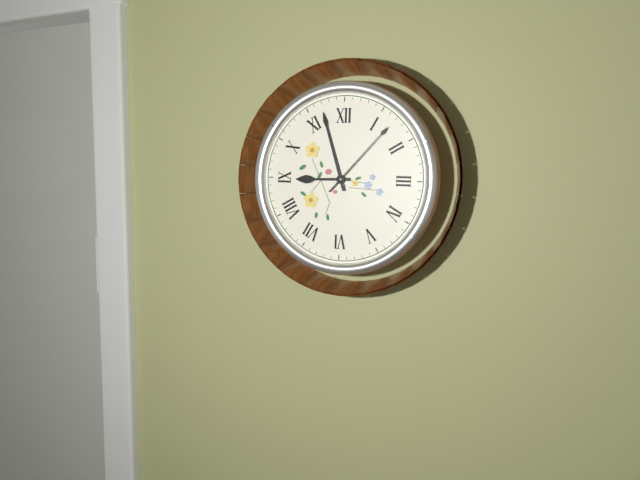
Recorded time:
8h57m07s
